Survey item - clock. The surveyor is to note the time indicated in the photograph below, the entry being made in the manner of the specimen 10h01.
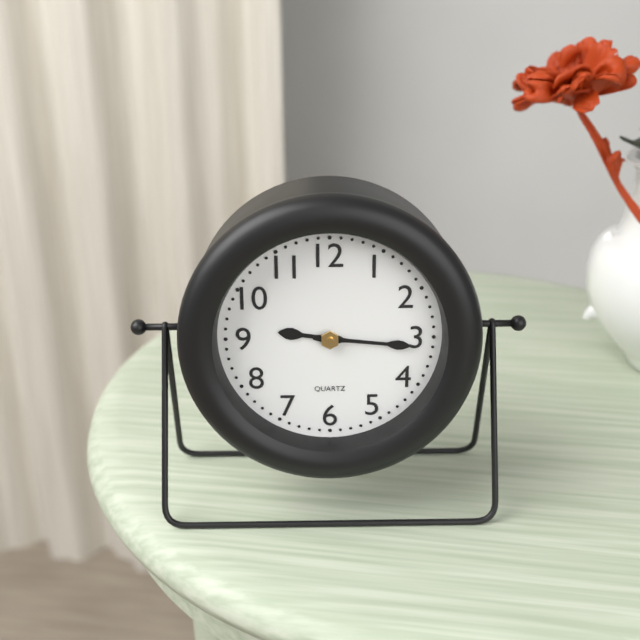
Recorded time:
9h16
